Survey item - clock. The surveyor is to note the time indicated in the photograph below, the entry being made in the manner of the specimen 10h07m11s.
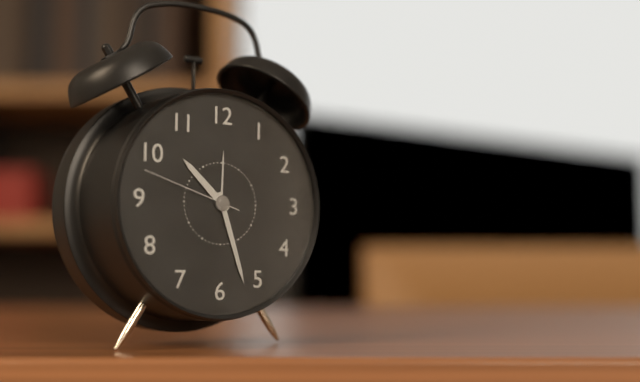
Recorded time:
10h27m48s
